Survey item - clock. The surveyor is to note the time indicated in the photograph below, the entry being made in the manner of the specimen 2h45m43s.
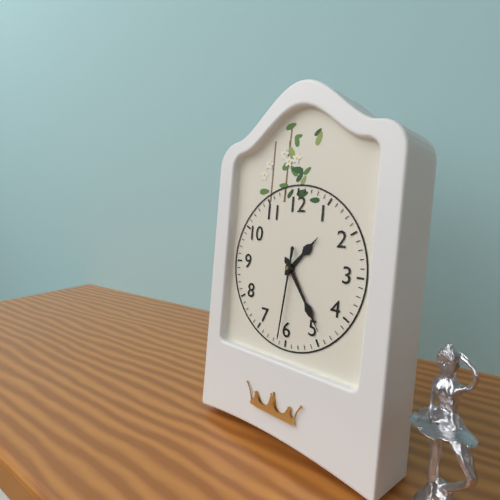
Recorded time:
1h24m31s
